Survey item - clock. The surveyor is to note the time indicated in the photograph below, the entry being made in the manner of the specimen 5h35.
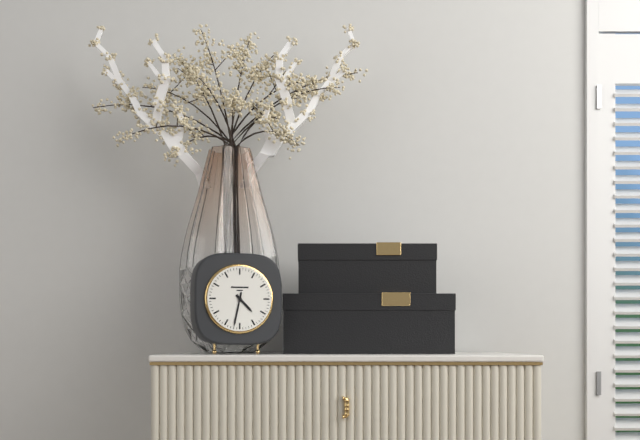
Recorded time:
4h32
